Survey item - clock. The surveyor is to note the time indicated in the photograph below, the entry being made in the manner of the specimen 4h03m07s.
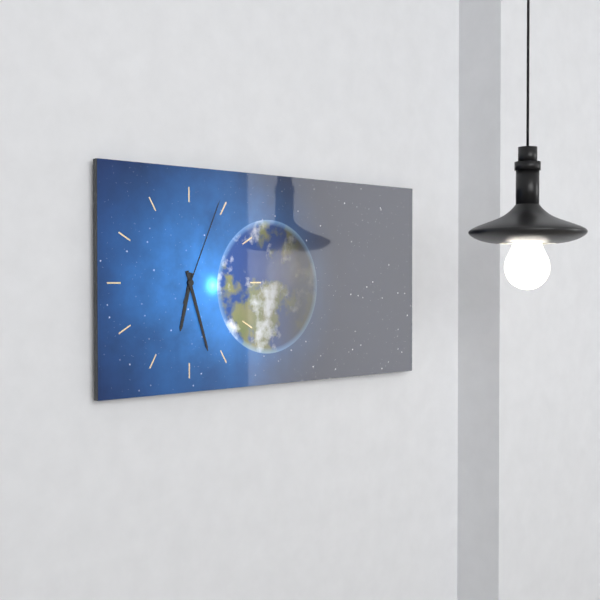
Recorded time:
6h27m04s
